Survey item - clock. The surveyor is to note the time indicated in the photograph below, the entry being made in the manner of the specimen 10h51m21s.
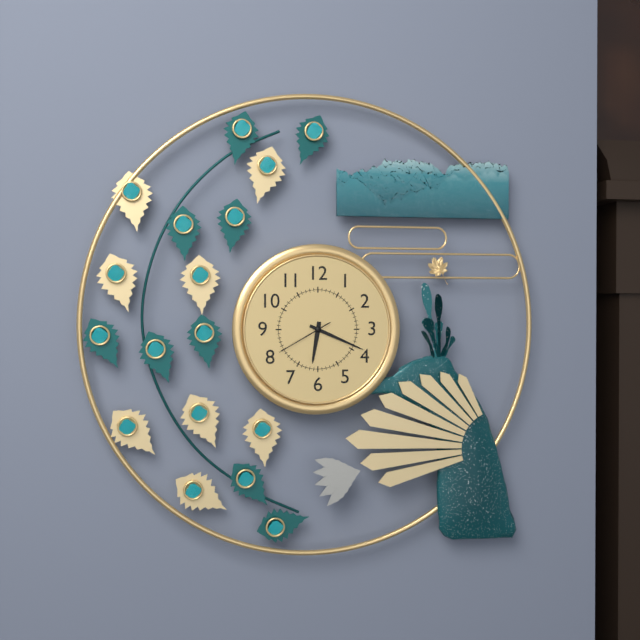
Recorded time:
6h19m40s
